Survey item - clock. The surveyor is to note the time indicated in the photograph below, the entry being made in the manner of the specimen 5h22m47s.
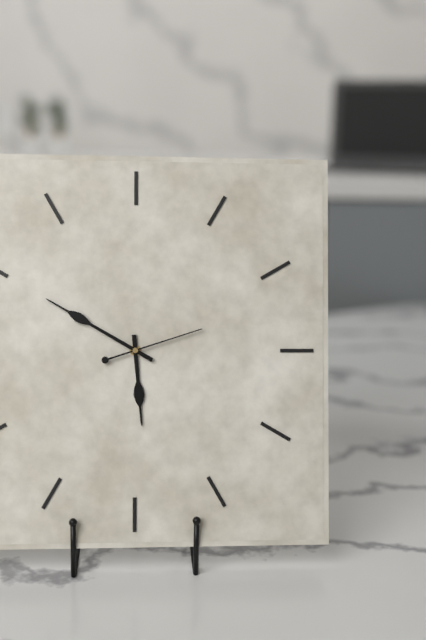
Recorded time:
5h50m12s
